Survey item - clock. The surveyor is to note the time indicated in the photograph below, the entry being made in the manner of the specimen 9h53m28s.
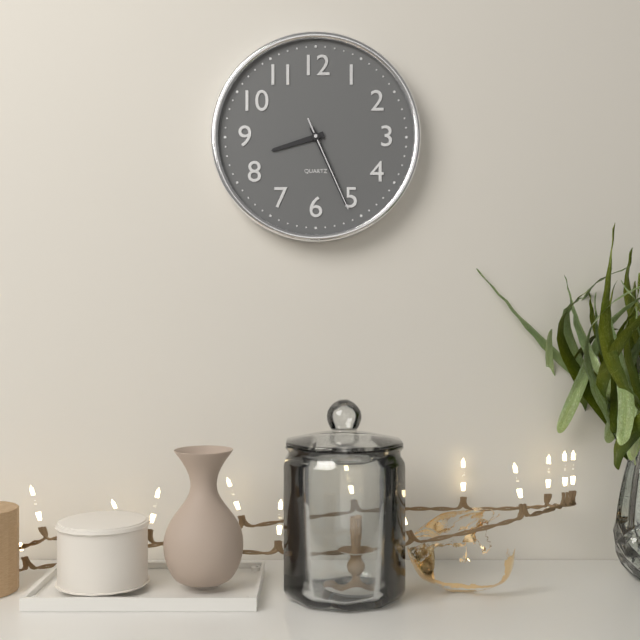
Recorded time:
8h26m26s
